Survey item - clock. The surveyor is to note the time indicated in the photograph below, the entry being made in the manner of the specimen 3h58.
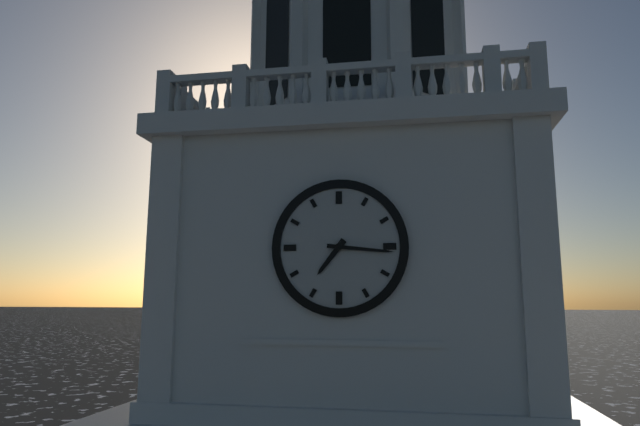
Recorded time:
7h16
